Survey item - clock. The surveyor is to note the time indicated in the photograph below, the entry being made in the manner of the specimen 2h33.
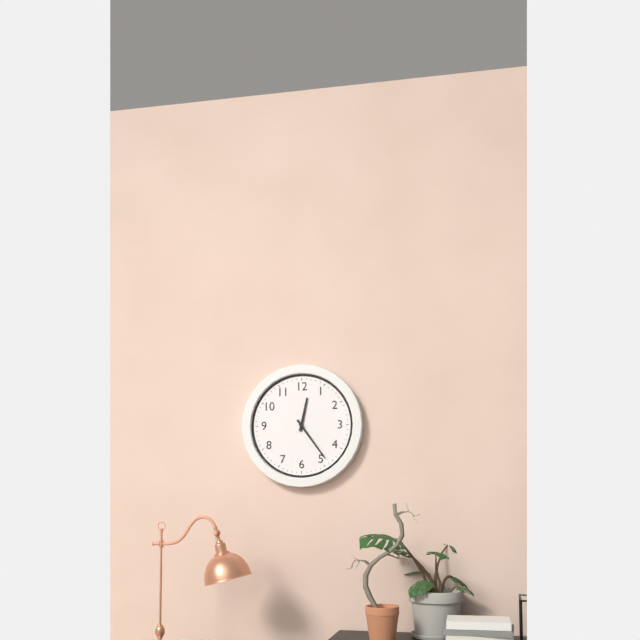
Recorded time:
12h24
